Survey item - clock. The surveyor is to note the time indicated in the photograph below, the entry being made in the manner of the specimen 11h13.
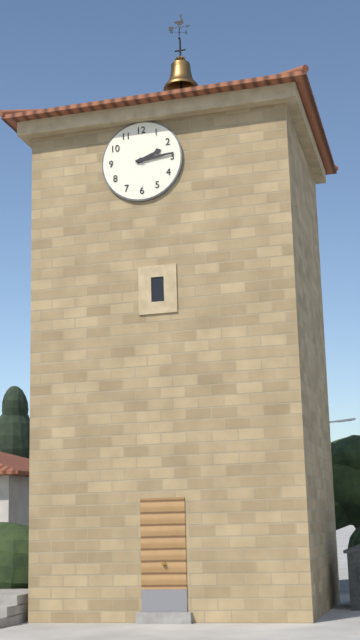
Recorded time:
2h14
